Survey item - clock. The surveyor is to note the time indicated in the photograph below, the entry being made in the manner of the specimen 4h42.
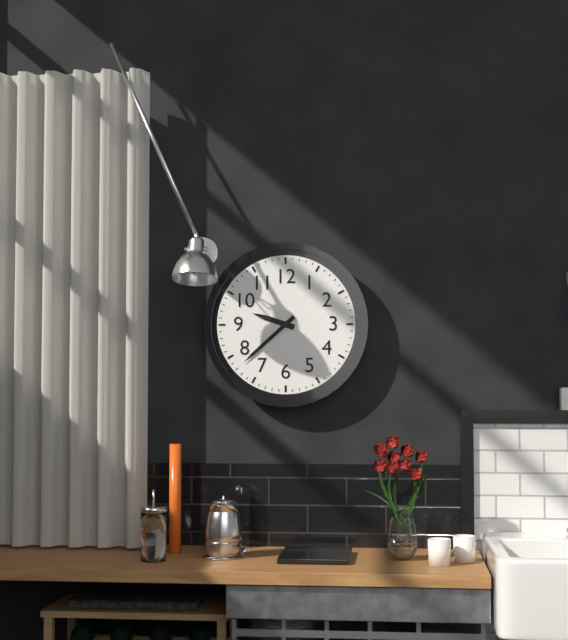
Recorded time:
9h38
